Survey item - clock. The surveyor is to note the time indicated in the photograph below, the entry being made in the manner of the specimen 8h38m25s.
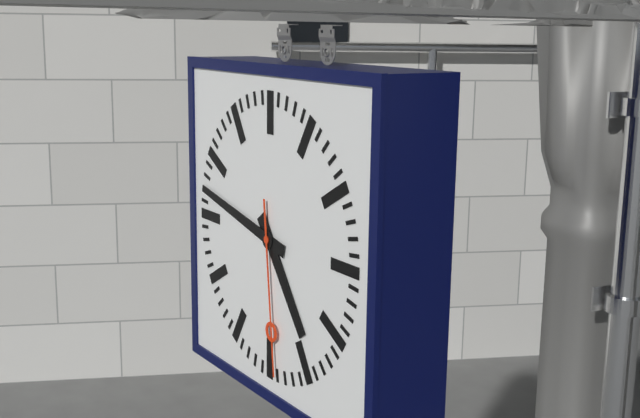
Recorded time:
4h47m29s
